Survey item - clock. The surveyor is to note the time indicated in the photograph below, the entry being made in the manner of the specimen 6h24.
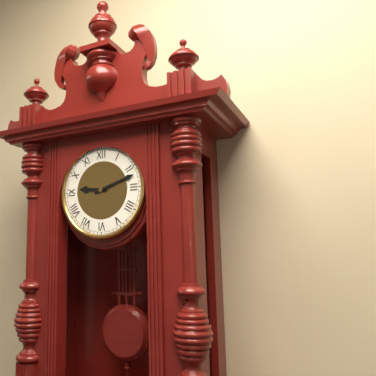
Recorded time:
9h12
